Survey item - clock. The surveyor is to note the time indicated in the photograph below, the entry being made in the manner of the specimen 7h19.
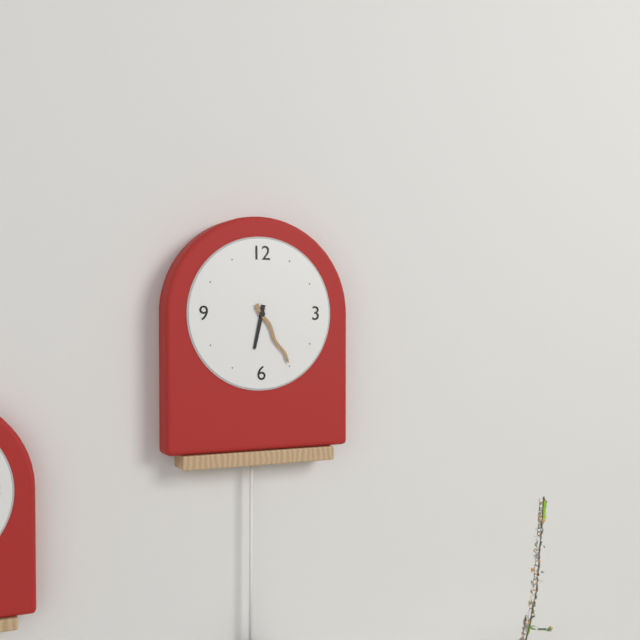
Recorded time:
6h25
